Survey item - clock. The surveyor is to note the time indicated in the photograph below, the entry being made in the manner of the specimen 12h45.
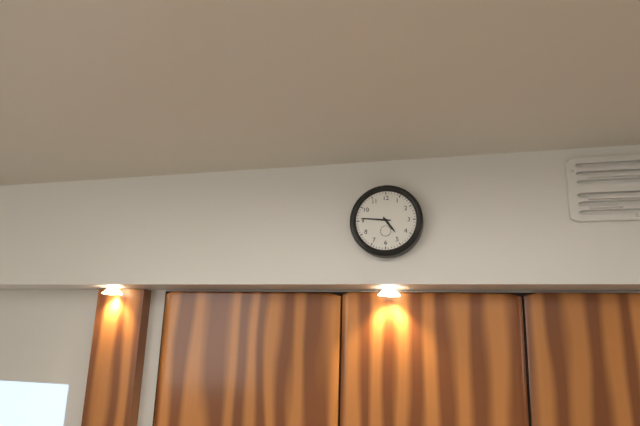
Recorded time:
4h46
